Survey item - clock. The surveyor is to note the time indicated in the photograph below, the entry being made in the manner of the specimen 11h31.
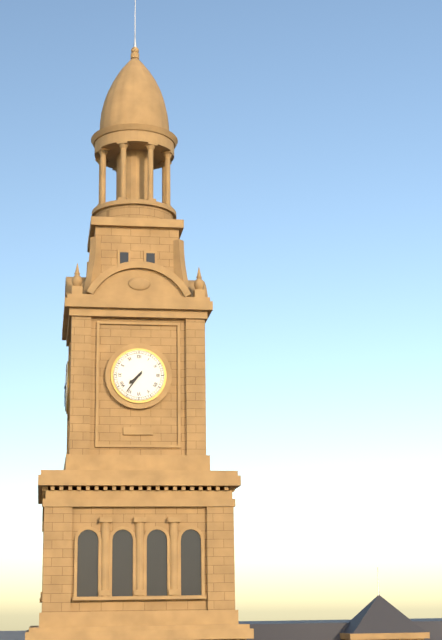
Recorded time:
7h36
